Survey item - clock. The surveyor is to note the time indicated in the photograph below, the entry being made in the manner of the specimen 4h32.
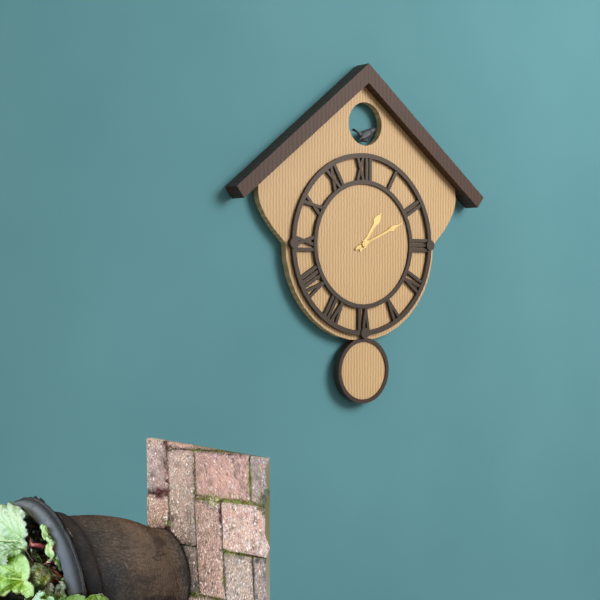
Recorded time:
1h11
